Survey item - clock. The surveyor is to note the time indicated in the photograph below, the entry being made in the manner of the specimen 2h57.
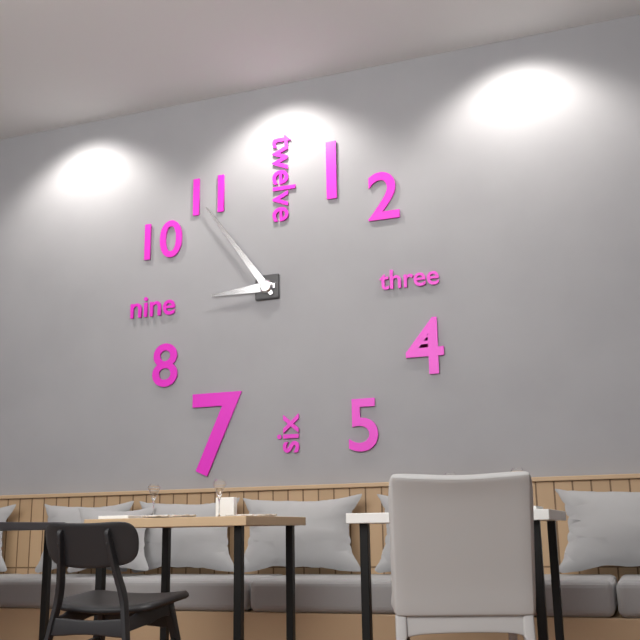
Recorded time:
8h54
